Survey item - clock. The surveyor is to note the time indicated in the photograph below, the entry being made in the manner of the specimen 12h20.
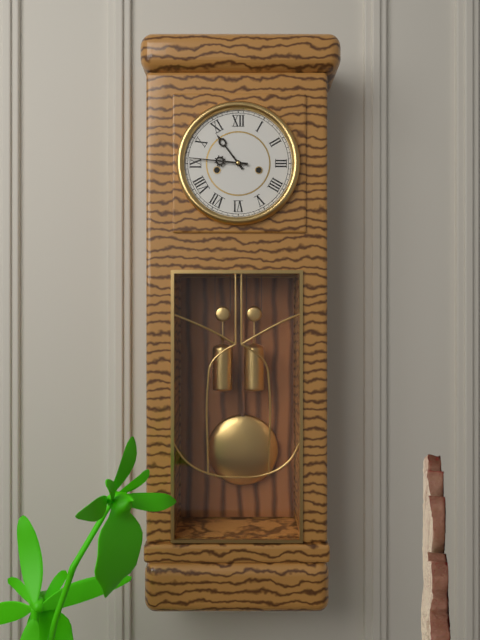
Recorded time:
10h46
